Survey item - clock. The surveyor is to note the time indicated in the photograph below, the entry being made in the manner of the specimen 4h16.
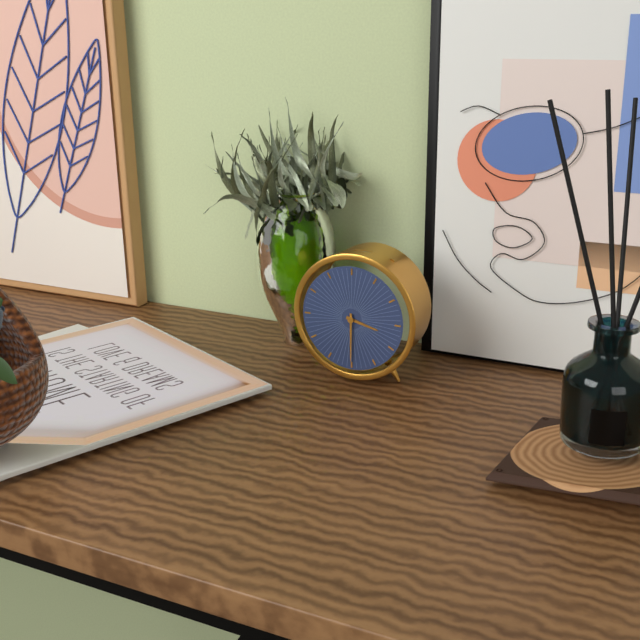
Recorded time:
3h30
